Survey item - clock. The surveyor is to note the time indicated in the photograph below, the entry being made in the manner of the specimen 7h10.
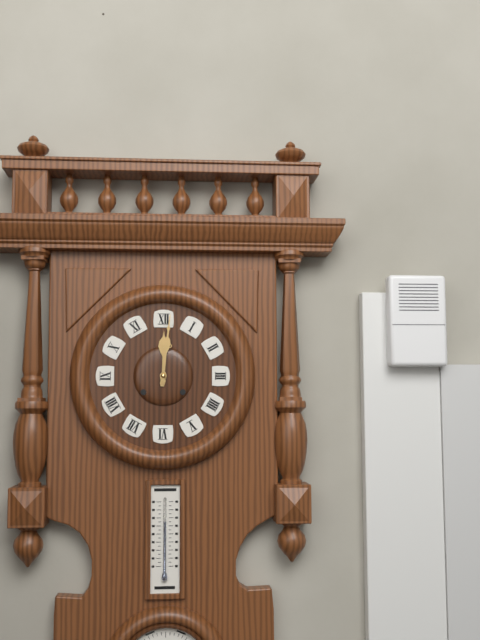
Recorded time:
12h01
